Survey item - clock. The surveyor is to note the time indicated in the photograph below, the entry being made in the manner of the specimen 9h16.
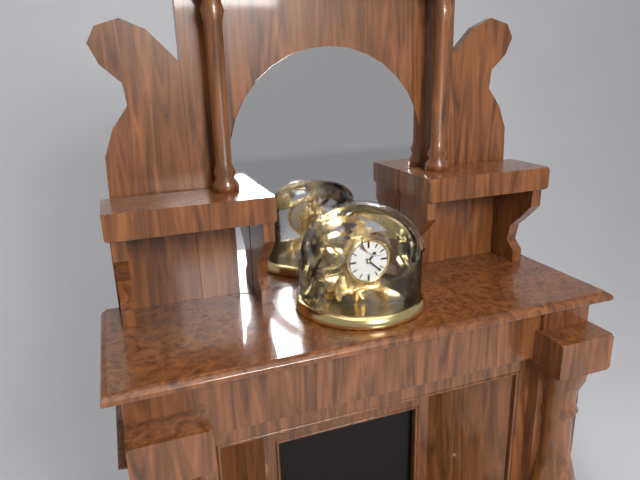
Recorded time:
1h22
